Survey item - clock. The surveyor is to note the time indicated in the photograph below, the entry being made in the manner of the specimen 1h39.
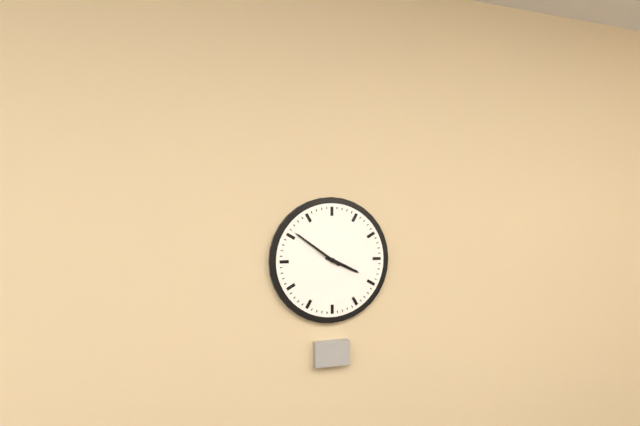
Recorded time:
3h51
